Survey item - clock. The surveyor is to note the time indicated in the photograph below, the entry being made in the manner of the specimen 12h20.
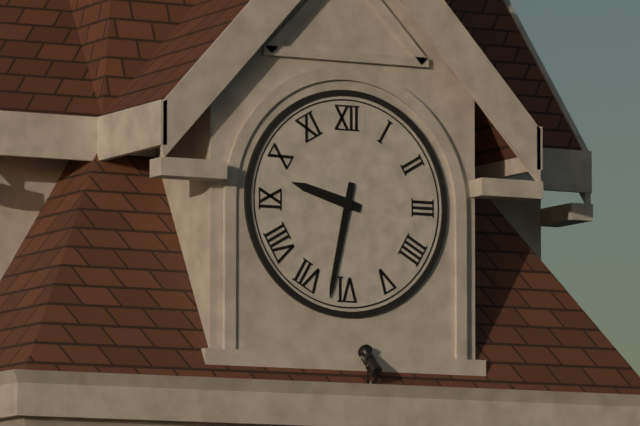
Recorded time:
9h32
